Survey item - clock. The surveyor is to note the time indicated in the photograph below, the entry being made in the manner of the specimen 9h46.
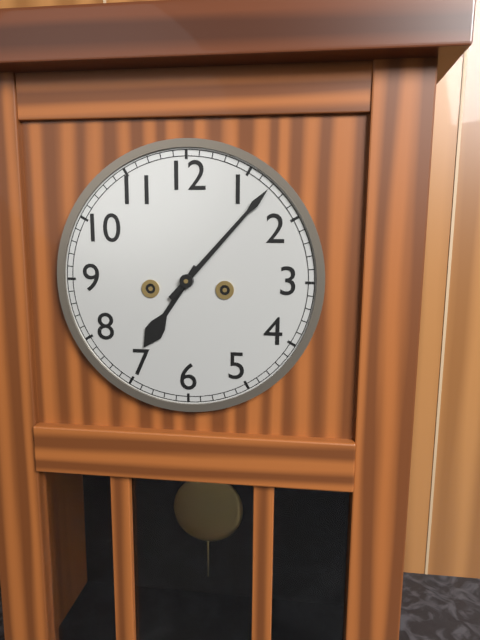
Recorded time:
7h07
